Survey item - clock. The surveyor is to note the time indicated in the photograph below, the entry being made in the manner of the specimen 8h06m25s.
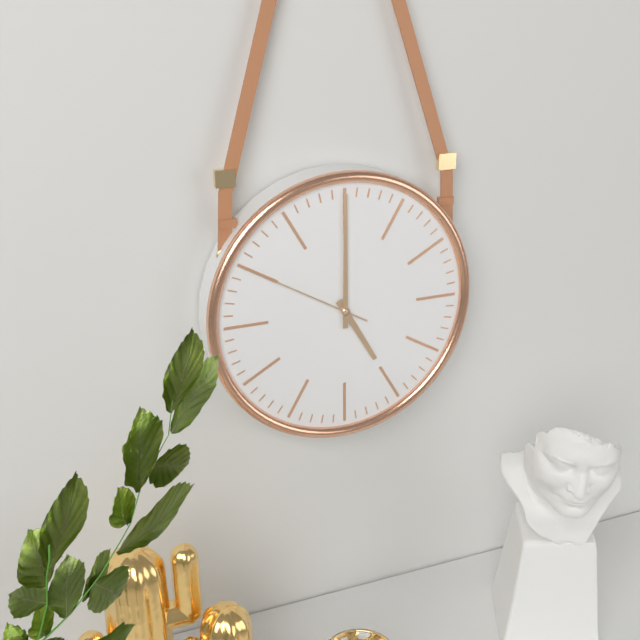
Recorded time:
5h00m50s
